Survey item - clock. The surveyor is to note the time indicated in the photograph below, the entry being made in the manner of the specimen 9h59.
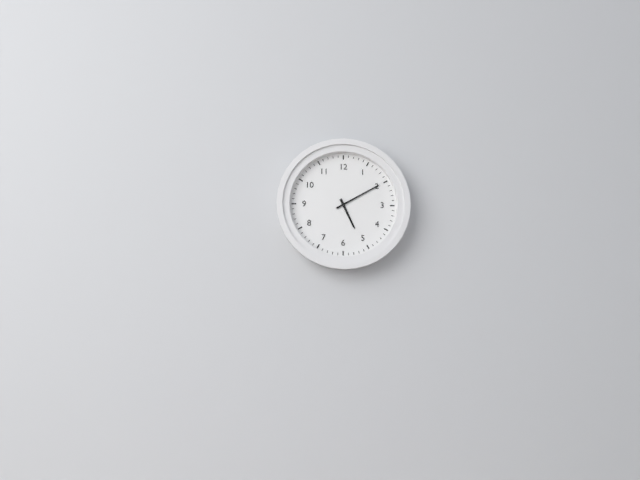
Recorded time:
5h10
